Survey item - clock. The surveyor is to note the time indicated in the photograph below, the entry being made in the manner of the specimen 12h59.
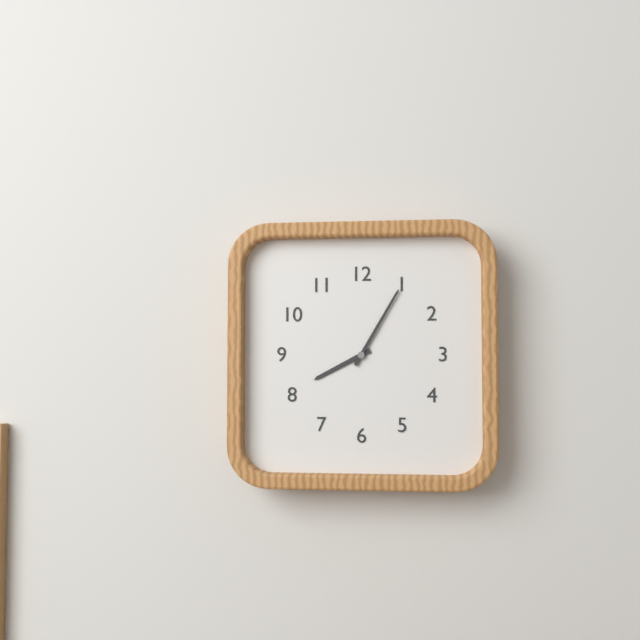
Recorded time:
8h05
